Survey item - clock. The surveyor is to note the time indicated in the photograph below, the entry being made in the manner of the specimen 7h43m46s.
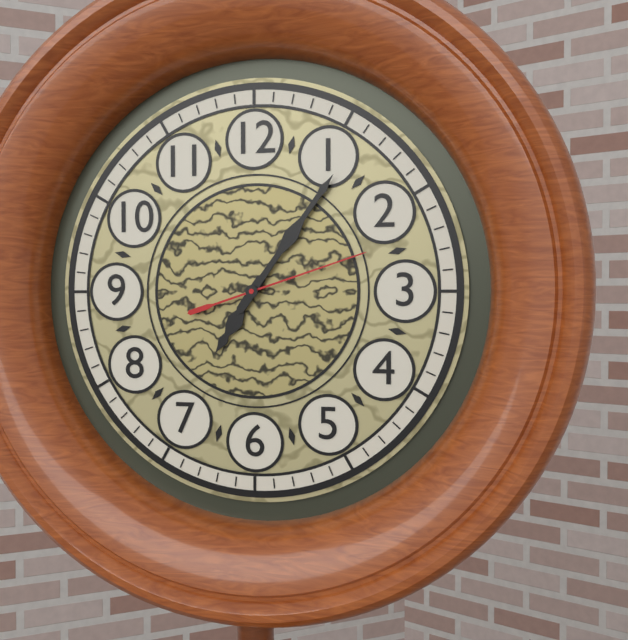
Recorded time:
7h06m12s
